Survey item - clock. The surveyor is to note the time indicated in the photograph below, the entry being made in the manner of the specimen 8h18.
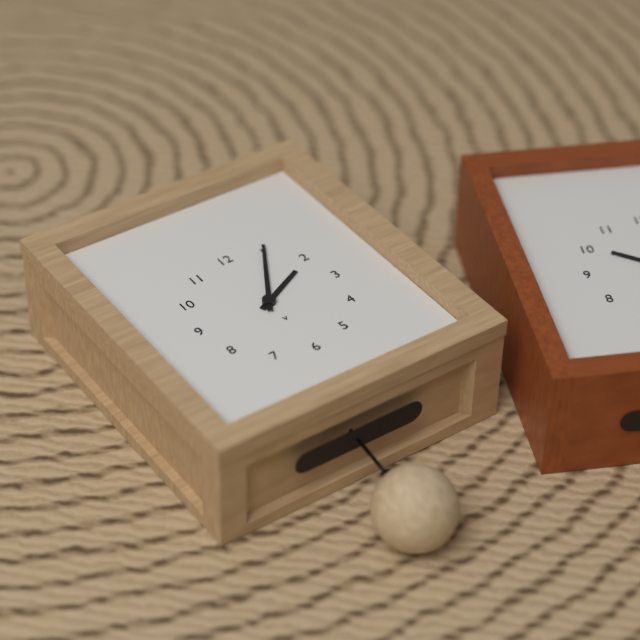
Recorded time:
2h05
